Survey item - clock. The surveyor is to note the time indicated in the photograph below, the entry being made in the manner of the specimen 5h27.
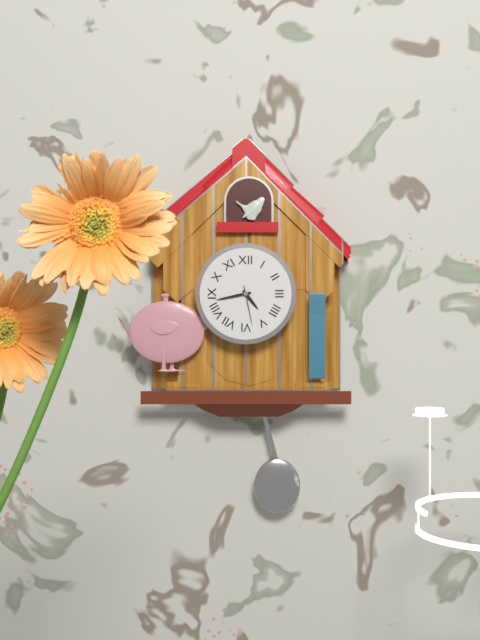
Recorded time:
4h43
